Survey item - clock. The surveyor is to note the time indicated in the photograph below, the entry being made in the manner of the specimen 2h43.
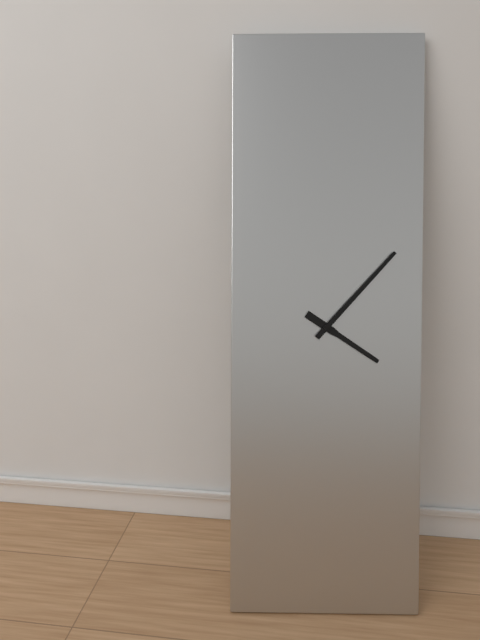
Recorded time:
4h07
